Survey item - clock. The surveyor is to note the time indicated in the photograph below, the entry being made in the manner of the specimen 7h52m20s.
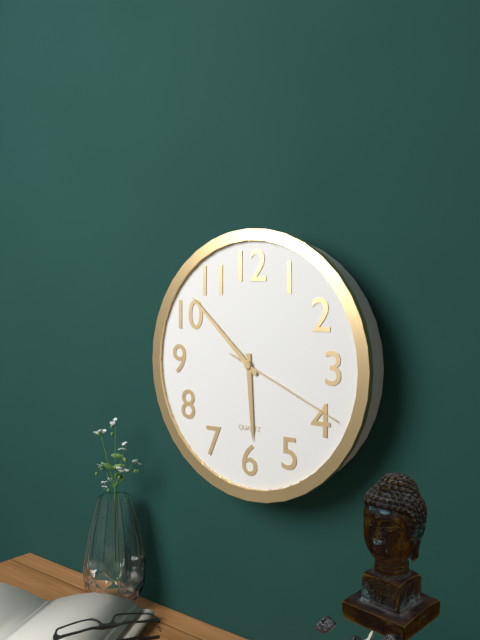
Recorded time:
5h52m19s
